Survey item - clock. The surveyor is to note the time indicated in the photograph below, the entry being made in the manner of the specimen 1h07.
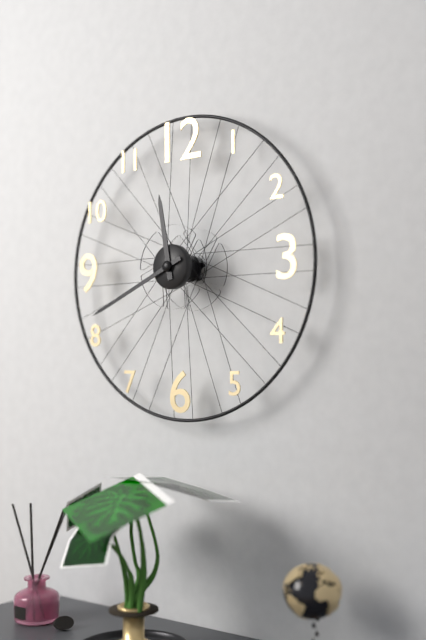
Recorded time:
11h41
